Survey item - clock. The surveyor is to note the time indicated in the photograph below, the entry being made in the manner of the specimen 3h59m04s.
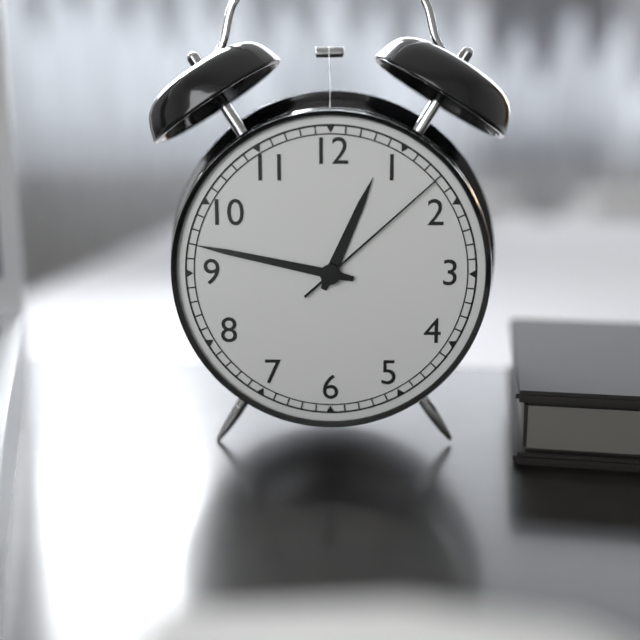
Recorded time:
12h47m08s
